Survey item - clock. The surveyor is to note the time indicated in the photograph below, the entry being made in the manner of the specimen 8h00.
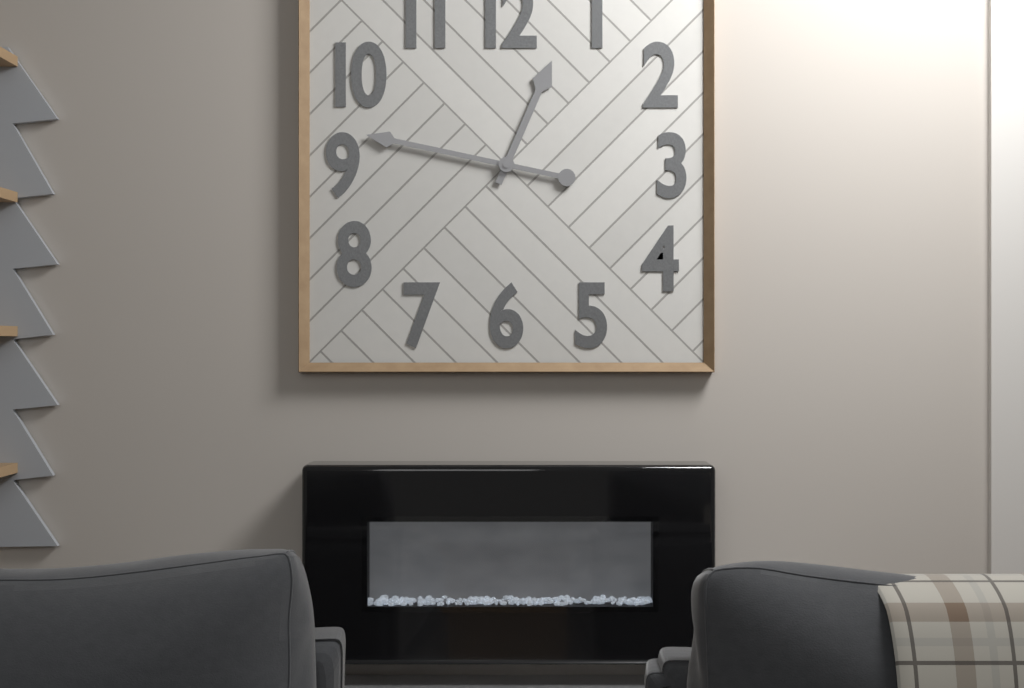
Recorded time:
12h47
